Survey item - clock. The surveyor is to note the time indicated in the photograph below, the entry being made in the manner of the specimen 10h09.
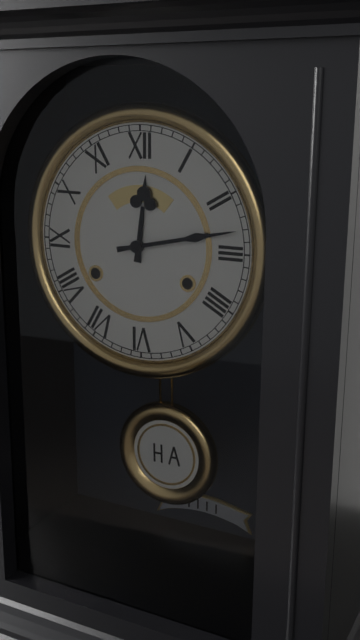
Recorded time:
12h13
